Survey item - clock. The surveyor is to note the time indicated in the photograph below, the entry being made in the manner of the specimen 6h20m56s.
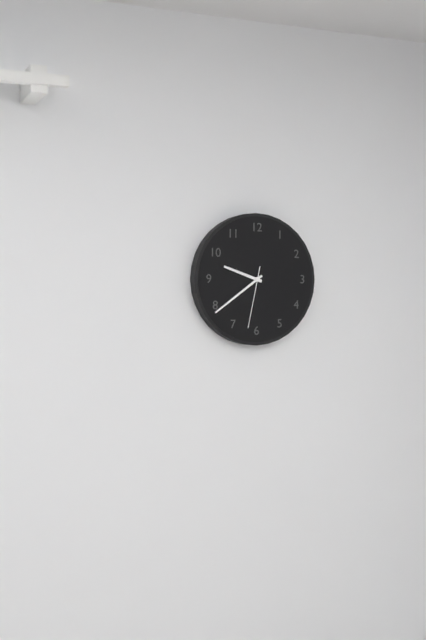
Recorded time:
9h39m32s
